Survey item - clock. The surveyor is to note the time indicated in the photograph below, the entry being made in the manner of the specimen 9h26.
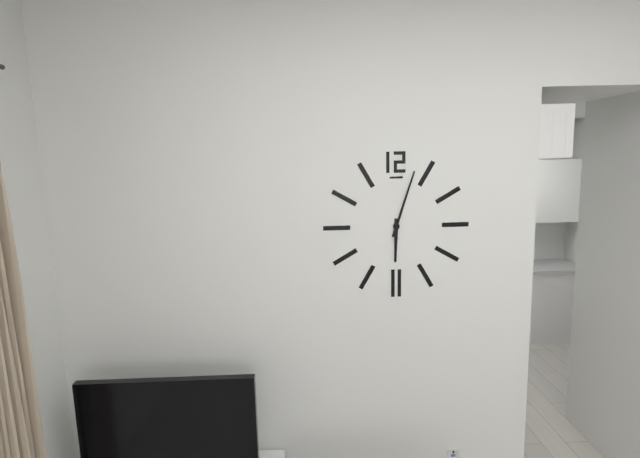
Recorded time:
6h03
